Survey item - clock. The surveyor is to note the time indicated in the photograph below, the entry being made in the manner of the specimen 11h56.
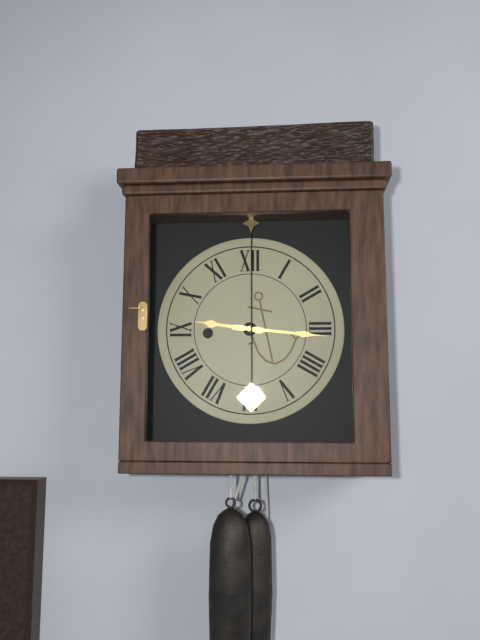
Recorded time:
9h16
